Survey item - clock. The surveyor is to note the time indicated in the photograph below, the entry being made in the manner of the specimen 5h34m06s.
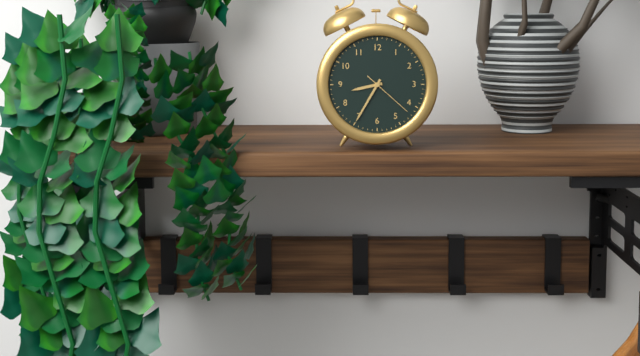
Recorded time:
8h35m22s
